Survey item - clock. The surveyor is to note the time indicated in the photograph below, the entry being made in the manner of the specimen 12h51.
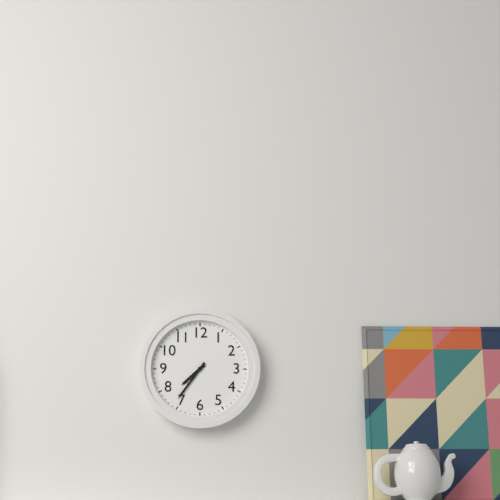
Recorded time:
7h36
